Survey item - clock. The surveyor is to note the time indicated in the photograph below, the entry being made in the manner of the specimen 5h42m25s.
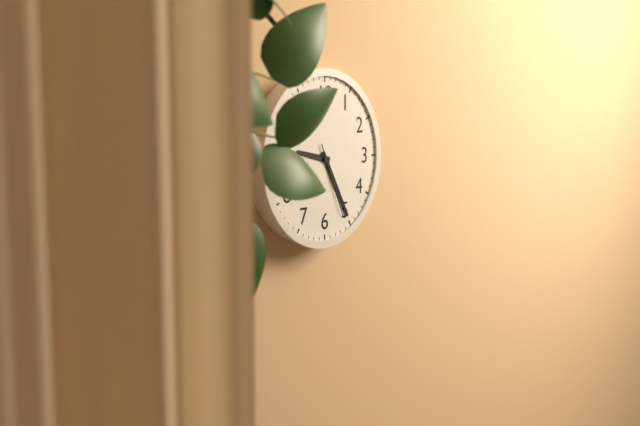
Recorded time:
9h25m26s
